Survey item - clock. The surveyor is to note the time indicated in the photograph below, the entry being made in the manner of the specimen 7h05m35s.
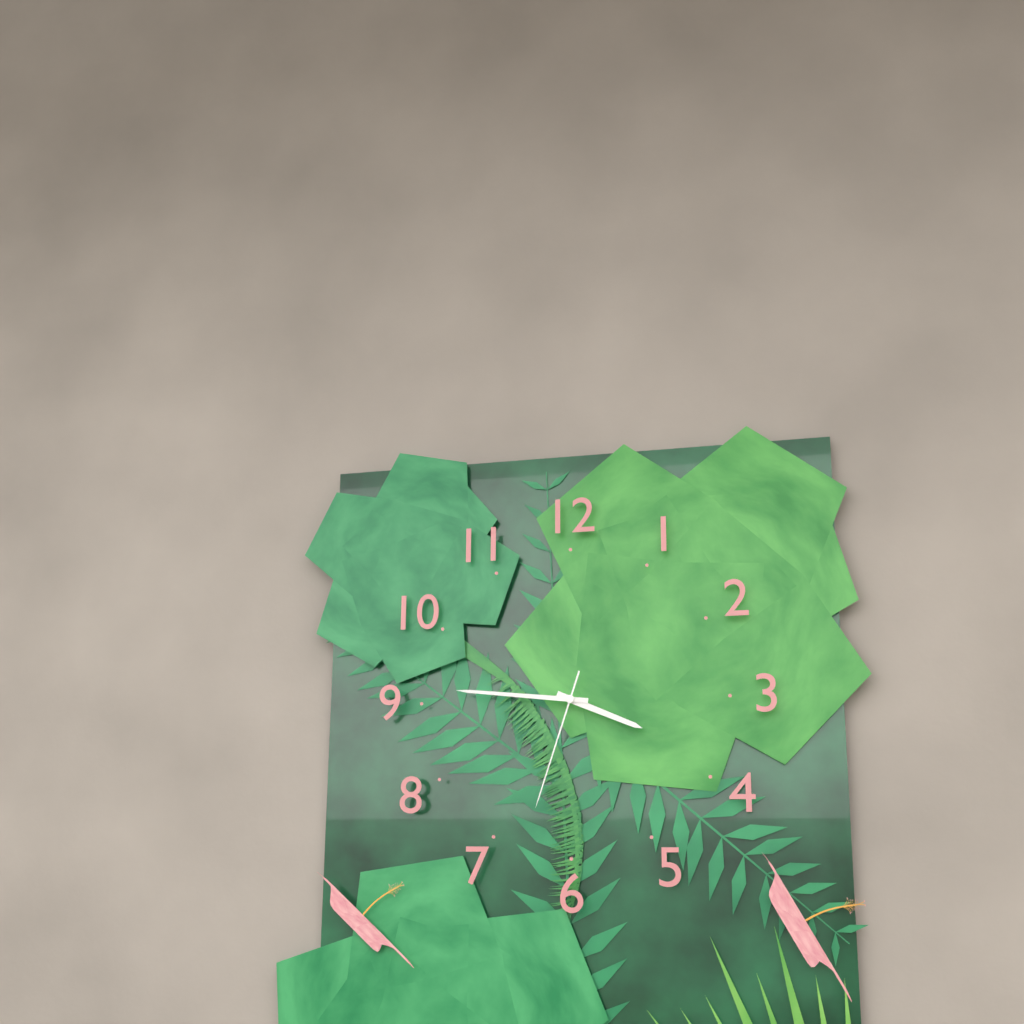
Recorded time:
3h46m33s
